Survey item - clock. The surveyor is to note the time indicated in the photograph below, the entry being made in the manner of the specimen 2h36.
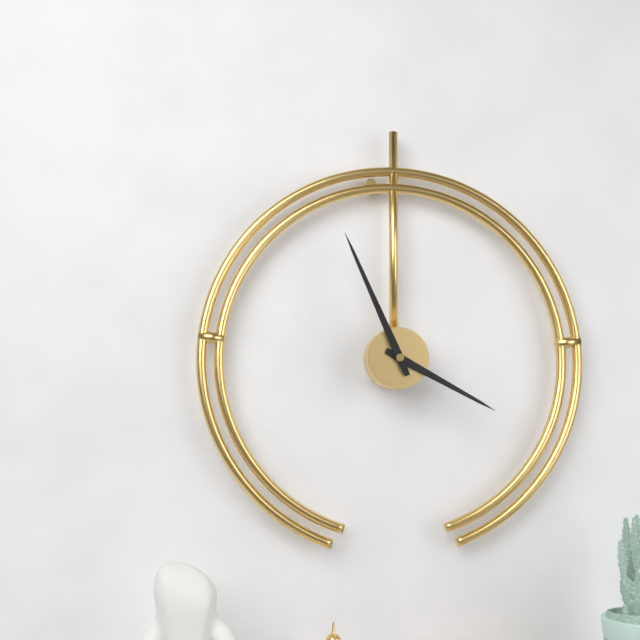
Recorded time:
3h56
